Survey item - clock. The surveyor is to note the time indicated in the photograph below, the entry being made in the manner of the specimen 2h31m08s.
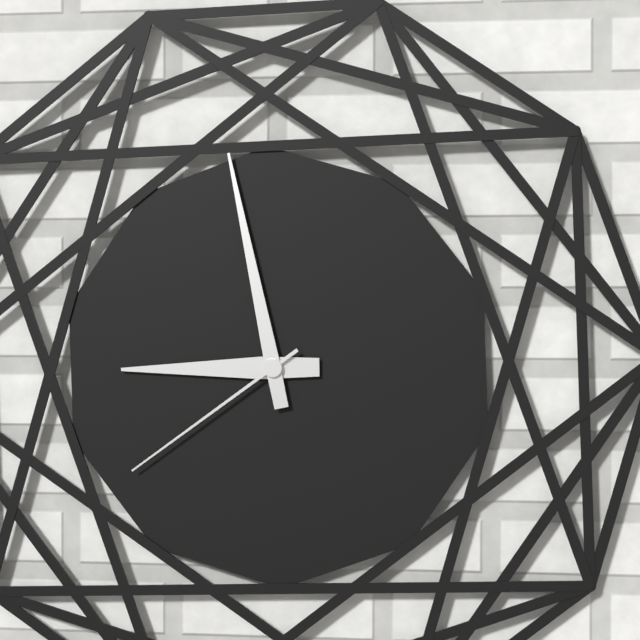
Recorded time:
8h58m39s
